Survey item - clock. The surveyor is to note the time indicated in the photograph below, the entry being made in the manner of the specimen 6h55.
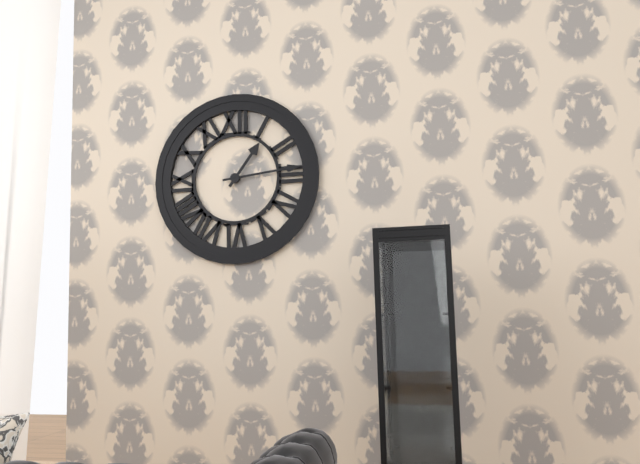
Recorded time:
1h14
